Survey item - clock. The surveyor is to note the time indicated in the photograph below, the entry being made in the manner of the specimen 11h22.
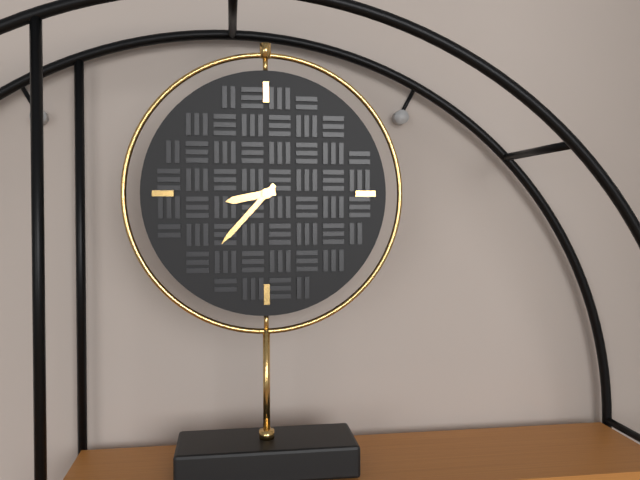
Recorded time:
8h37
